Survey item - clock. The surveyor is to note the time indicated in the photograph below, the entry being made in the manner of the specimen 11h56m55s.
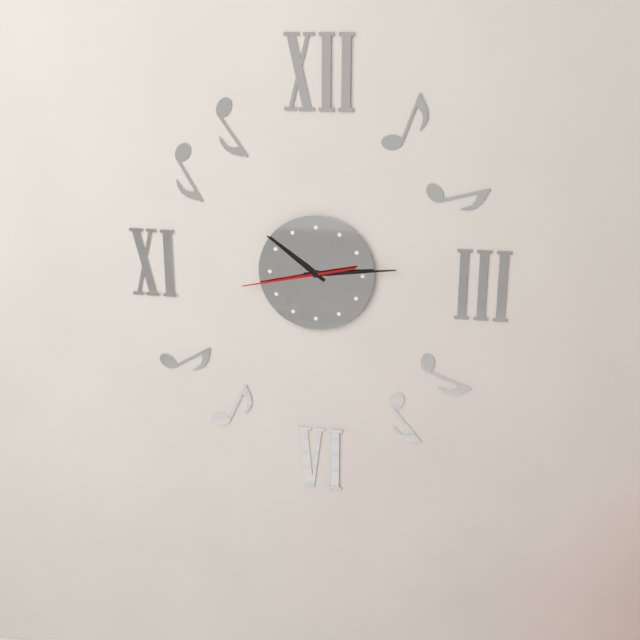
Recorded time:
10h14m43s
